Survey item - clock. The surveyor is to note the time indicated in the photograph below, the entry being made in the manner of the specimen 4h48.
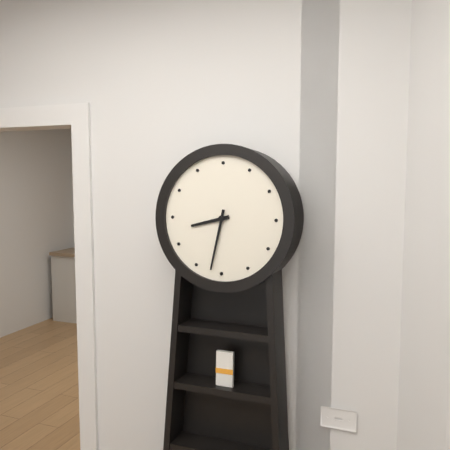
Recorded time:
8h32
